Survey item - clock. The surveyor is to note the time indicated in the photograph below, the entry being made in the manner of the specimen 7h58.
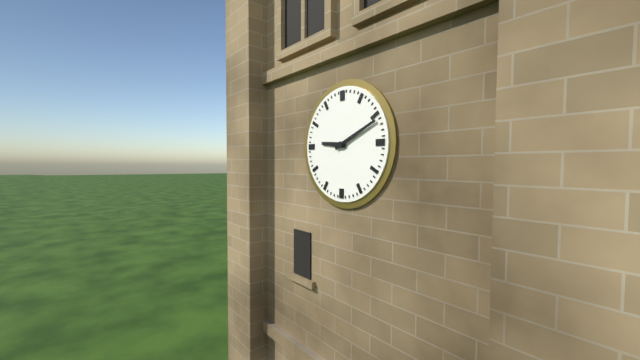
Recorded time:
9h11
